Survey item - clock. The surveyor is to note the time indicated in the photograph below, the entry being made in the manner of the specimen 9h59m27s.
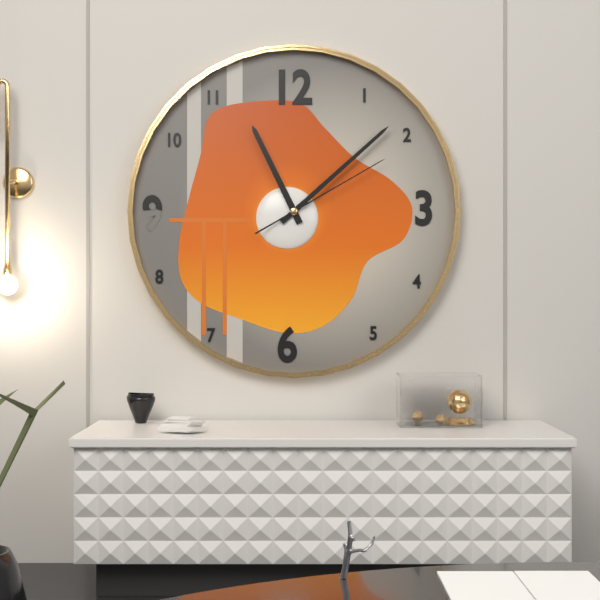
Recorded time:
11h08m10s
